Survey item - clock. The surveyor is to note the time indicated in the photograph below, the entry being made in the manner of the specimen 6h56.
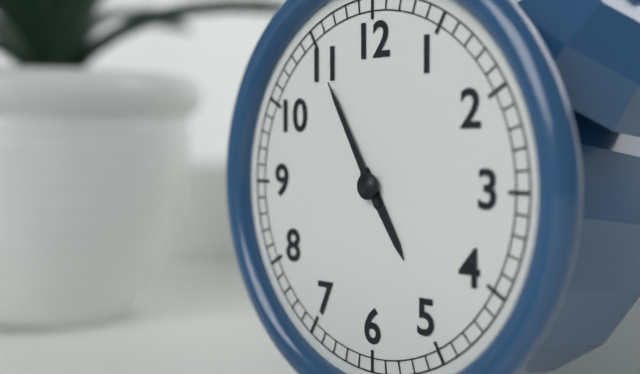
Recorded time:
4h55
